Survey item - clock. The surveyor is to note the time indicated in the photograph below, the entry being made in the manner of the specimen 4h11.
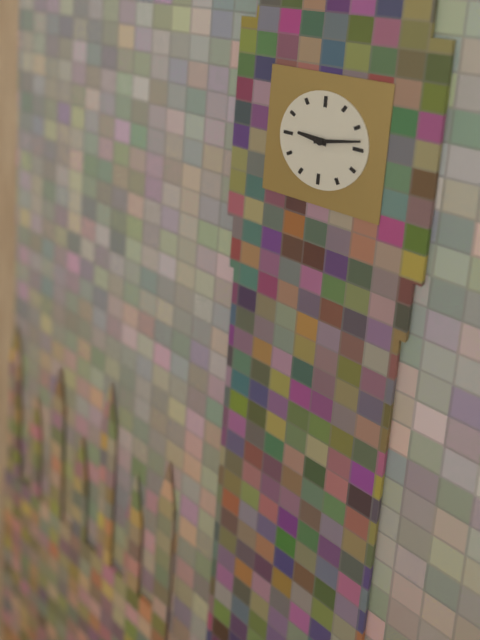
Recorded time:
9h13
